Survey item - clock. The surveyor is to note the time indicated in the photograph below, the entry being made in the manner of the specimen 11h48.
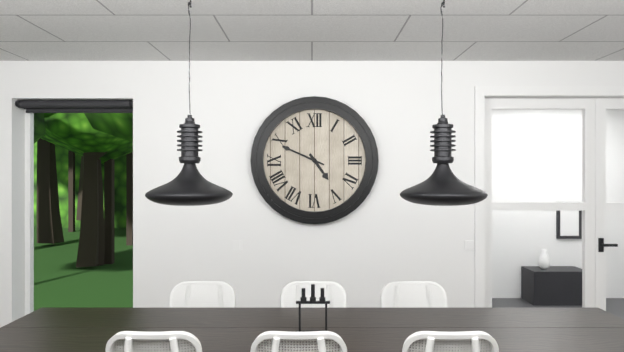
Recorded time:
4h49
